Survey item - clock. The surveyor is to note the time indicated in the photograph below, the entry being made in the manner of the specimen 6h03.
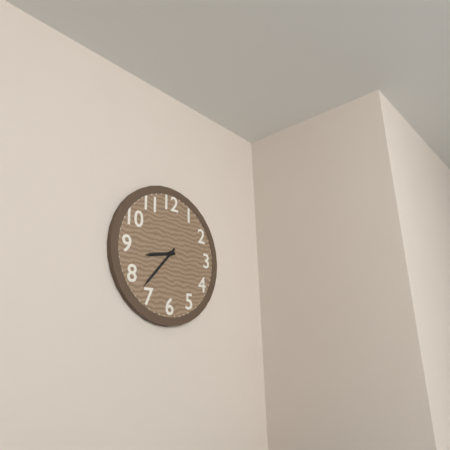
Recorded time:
8h37
